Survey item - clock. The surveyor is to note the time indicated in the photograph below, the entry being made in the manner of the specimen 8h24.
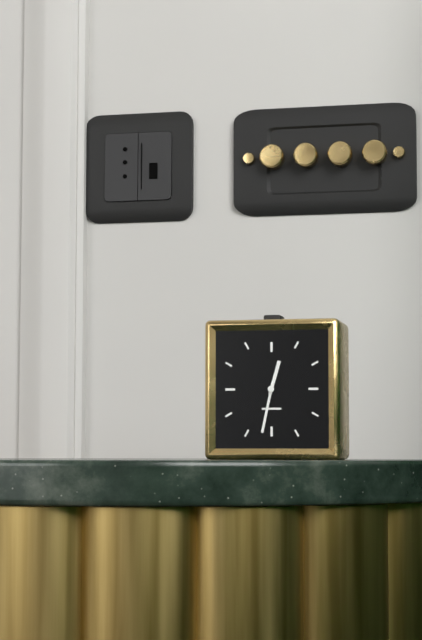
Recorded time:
12h32
